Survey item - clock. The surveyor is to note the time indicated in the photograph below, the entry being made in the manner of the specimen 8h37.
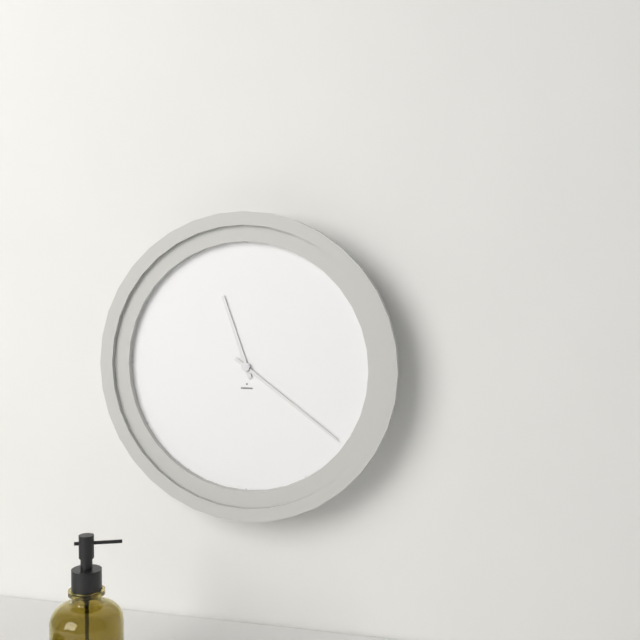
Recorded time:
11h21
